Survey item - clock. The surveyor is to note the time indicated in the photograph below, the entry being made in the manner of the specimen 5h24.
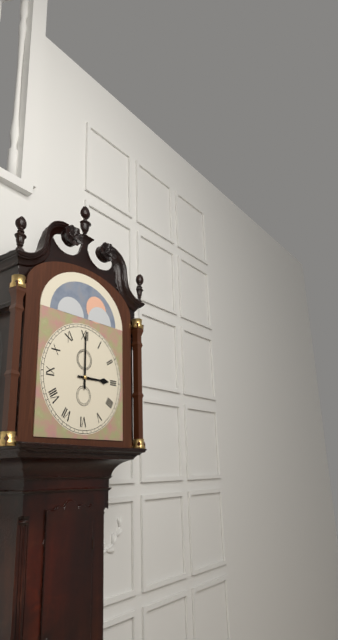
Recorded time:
3h00
